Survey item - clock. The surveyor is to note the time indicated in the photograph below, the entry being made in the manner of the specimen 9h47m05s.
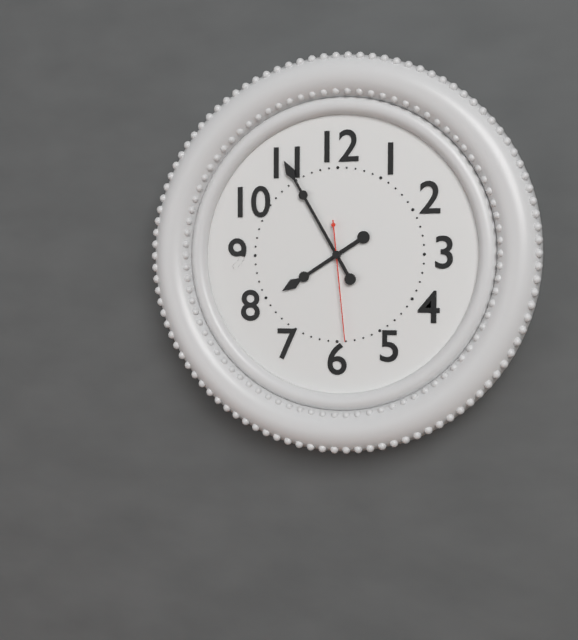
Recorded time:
7h55m29s
